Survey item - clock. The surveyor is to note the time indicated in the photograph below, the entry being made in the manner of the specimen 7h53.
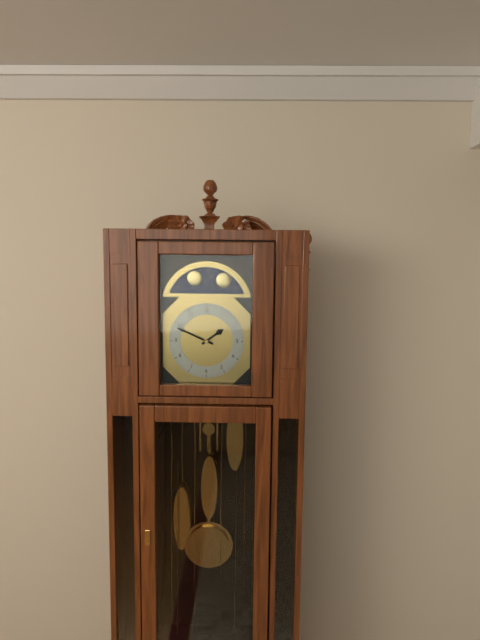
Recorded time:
1h49
